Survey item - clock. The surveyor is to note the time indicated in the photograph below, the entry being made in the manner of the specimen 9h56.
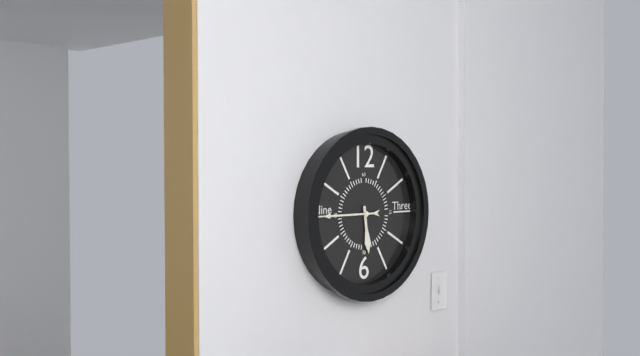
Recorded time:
5h45
